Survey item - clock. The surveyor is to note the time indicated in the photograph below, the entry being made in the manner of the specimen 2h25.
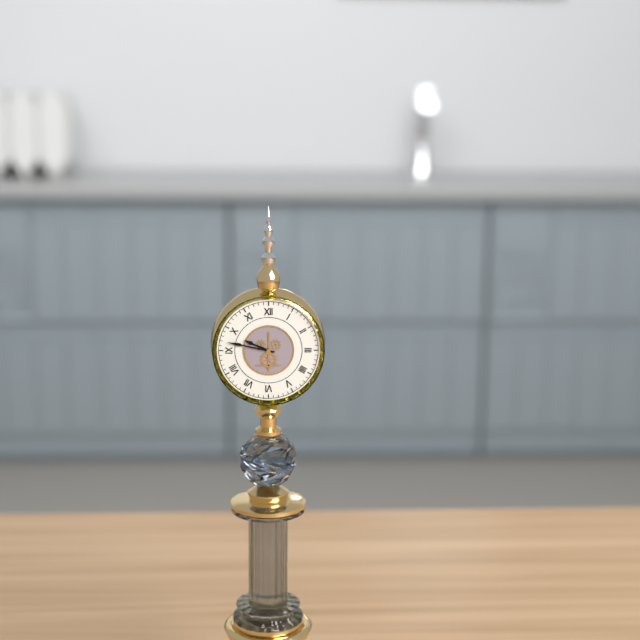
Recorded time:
9h47
